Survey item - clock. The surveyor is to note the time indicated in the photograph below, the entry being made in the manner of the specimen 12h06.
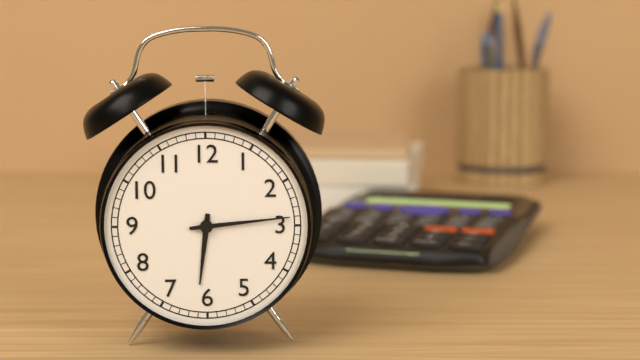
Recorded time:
6h14
